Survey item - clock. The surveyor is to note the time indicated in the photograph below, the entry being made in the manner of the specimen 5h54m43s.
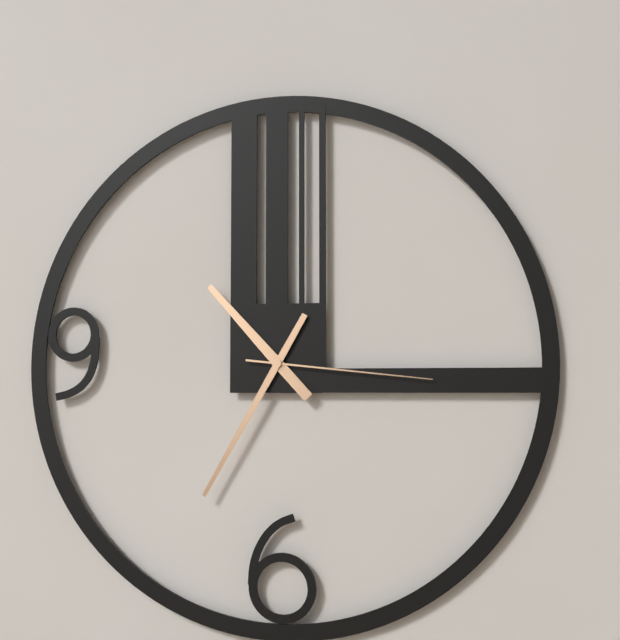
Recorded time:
10h35m16s
